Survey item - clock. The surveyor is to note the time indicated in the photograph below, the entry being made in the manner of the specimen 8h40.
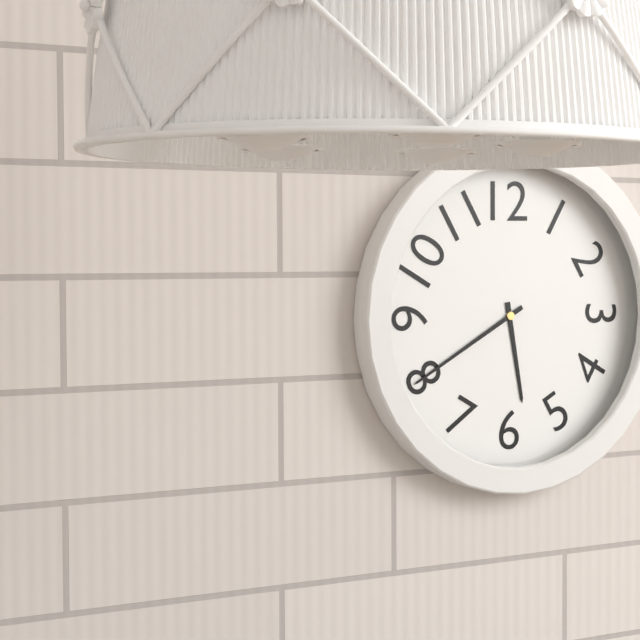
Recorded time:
5h40
